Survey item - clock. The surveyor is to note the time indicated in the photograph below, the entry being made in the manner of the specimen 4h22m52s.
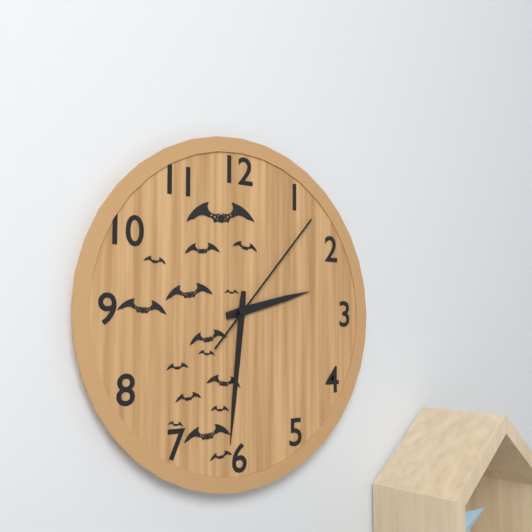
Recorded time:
2h31m07s
